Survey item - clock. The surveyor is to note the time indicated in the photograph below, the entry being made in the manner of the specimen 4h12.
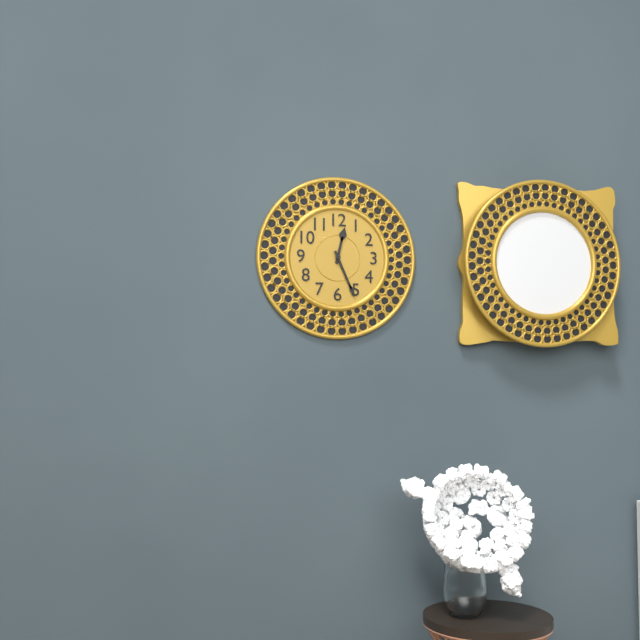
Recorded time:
12h26
